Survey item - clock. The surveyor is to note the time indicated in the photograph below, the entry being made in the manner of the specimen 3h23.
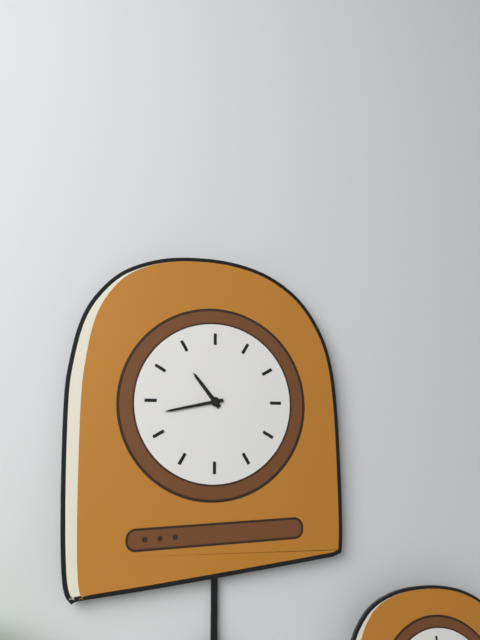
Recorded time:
10h43
